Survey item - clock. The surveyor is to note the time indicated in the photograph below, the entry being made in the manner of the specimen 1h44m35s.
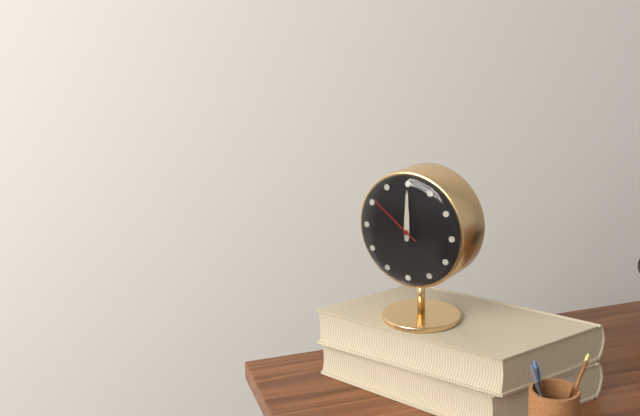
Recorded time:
12h00m51s
